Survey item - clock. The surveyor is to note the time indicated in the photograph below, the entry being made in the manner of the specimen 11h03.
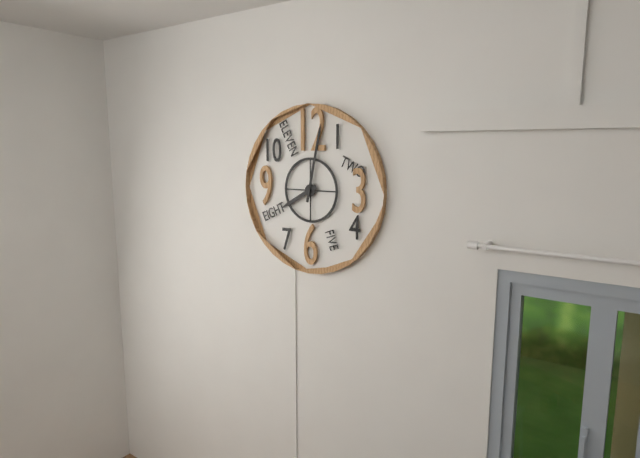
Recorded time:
8h02
